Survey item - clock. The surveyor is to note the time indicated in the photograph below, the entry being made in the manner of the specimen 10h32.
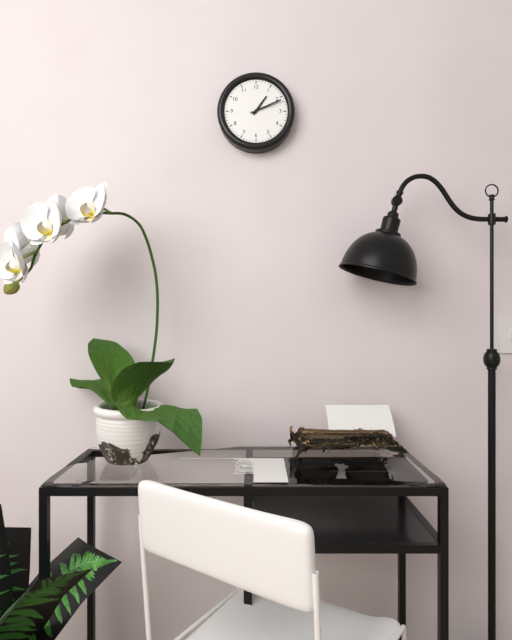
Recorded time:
1h11
